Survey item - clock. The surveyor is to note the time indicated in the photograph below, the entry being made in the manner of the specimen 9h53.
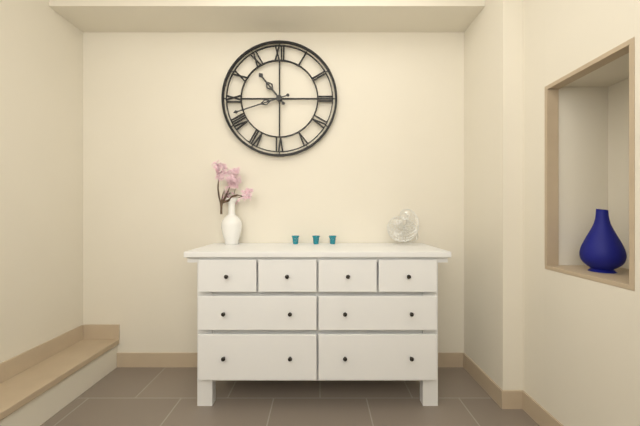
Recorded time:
10h42
